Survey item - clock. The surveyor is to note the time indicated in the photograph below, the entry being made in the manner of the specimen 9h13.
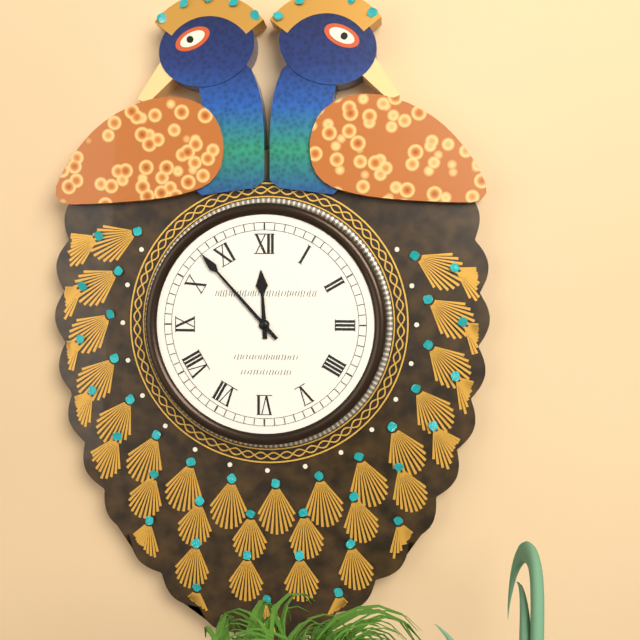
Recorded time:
11h53
